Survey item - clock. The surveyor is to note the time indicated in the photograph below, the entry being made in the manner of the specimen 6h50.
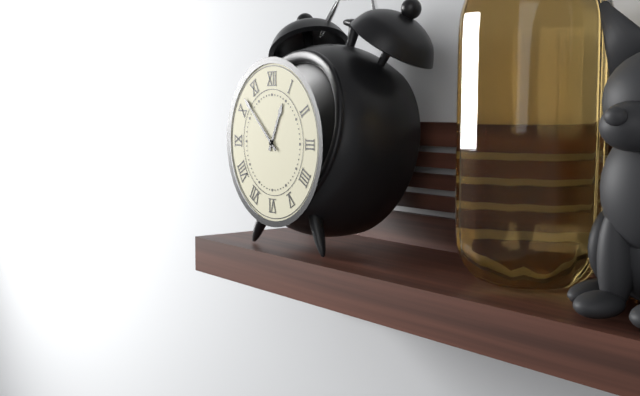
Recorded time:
12h52
